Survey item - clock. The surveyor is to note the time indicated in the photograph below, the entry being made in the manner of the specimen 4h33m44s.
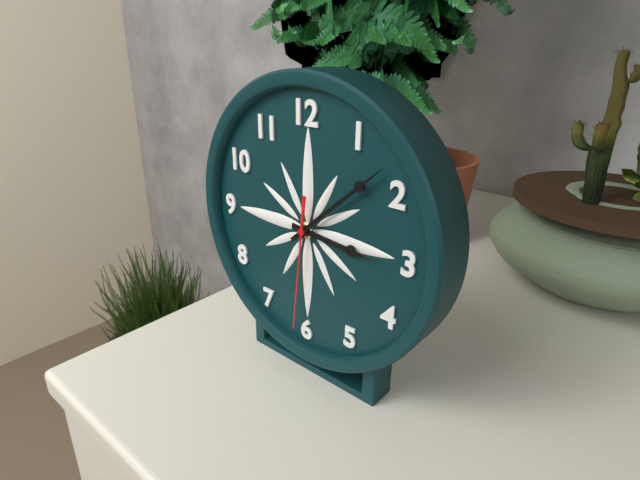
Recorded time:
3h08m31s
